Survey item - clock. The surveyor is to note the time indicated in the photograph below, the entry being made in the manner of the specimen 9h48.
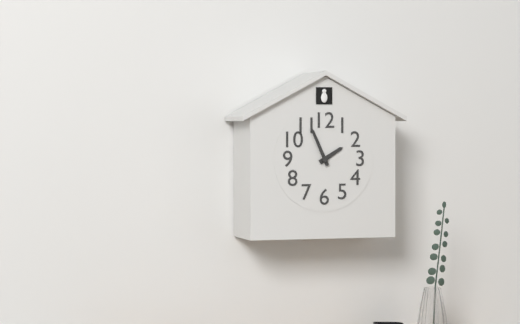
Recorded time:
1h56
